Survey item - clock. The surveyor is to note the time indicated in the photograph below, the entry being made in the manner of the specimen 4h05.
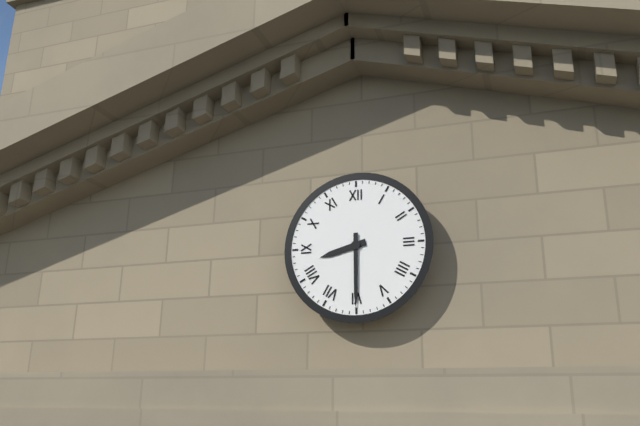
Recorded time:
8h30
